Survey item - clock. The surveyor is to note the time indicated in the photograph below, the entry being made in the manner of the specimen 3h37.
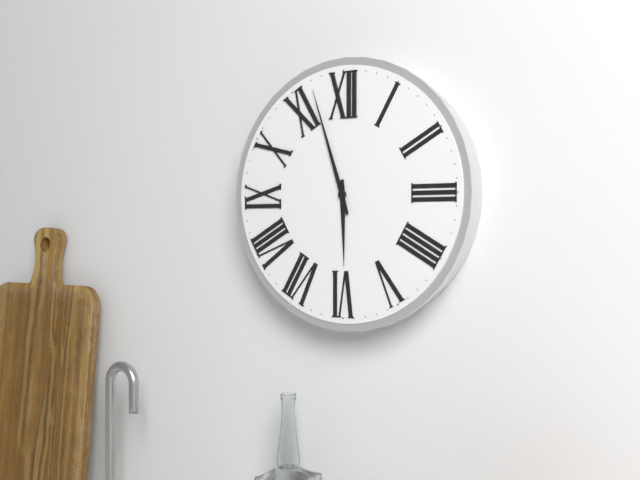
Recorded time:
5h57
